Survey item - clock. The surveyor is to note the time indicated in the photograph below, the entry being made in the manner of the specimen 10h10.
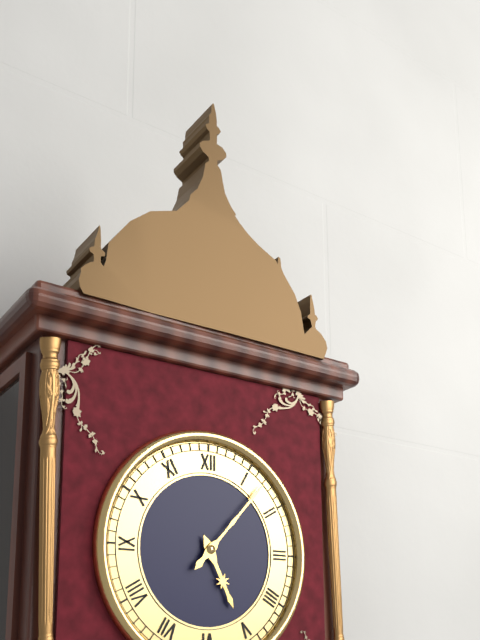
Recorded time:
5h07
